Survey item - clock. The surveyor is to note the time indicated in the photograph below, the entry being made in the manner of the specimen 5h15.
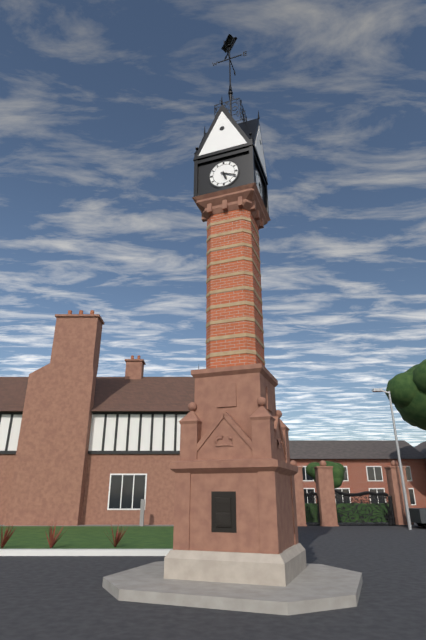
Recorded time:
5h19
